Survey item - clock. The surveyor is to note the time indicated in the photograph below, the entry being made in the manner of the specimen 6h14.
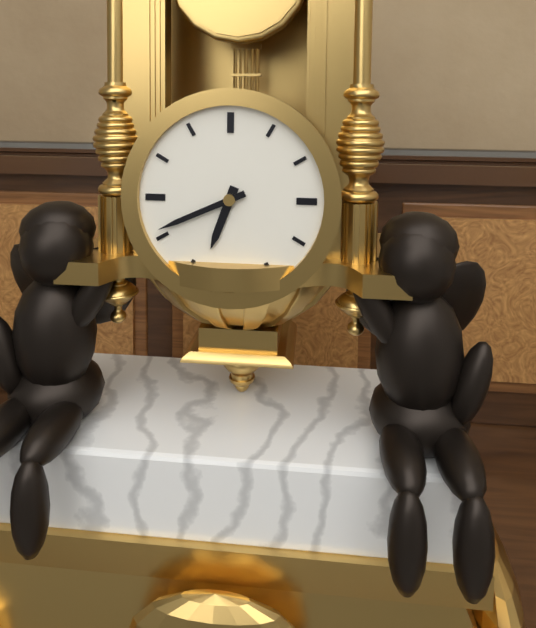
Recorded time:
6h41
